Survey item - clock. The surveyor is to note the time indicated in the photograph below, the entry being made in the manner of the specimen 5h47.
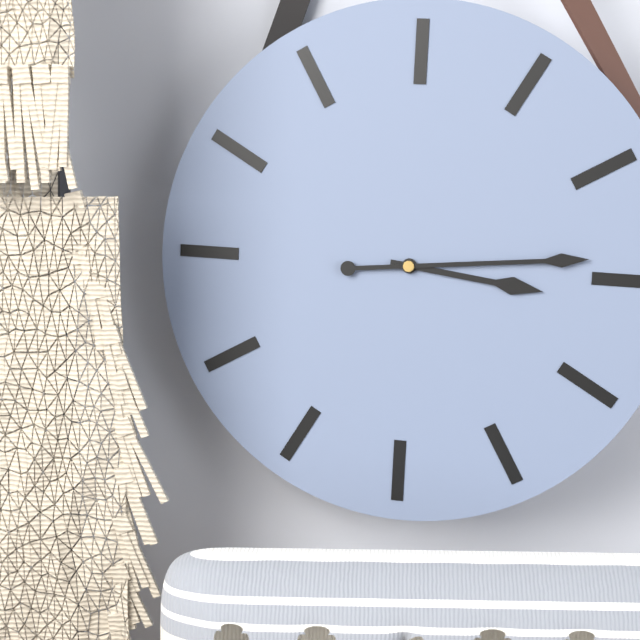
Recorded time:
3h14
